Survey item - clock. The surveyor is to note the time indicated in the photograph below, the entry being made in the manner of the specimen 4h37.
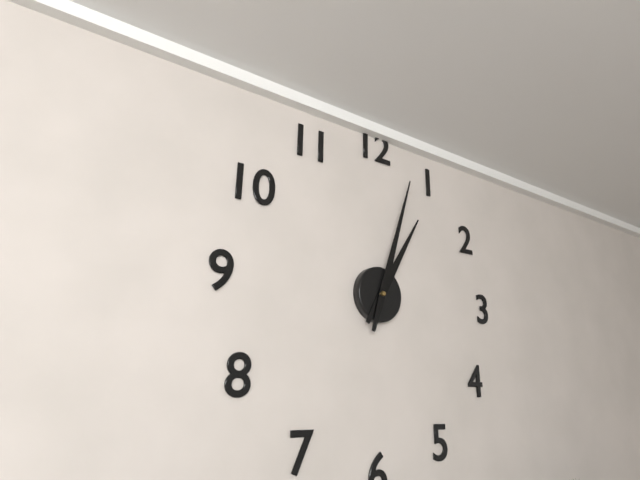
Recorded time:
1h03
